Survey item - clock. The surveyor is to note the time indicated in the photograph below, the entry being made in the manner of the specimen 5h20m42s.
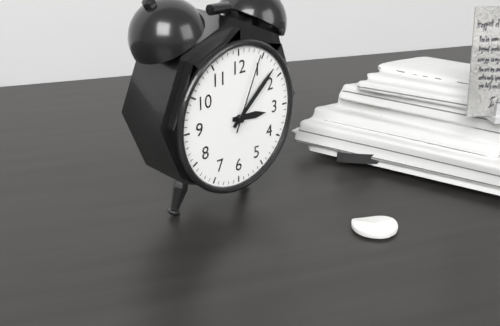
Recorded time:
3h08m04s
